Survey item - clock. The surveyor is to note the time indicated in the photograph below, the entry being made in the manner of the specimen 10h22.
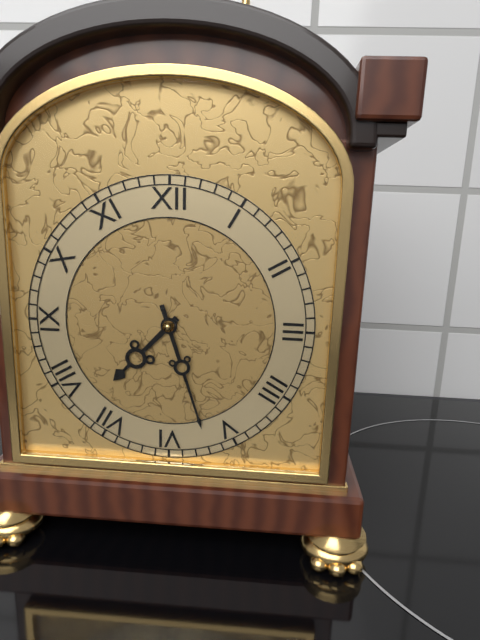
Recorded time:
7h27
